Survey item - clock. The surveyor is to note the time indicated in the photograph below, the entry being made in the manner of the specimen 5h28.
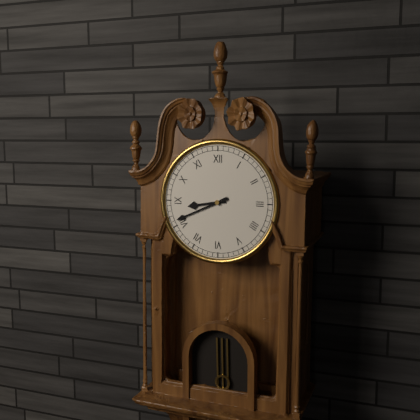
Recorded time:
8h41
